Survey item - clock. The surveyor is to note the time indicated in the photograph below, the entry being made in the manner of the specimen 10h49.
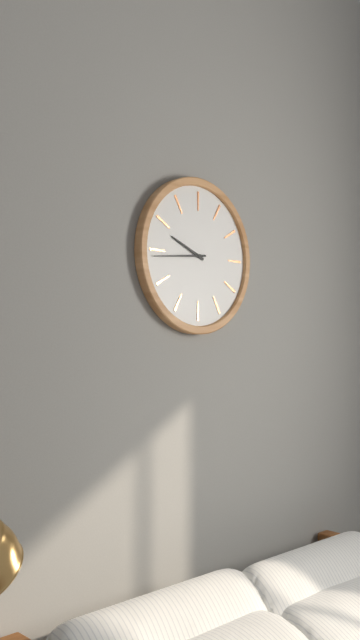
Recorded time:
9h44
